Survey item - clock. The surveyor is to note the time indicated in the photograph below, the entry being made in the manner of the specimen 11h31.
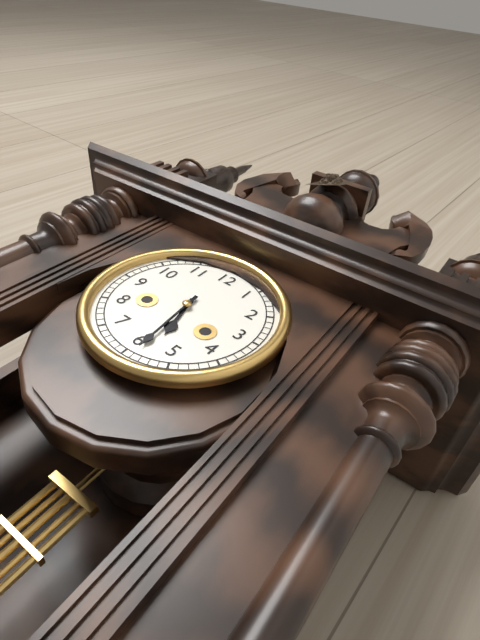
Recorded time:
5h29
